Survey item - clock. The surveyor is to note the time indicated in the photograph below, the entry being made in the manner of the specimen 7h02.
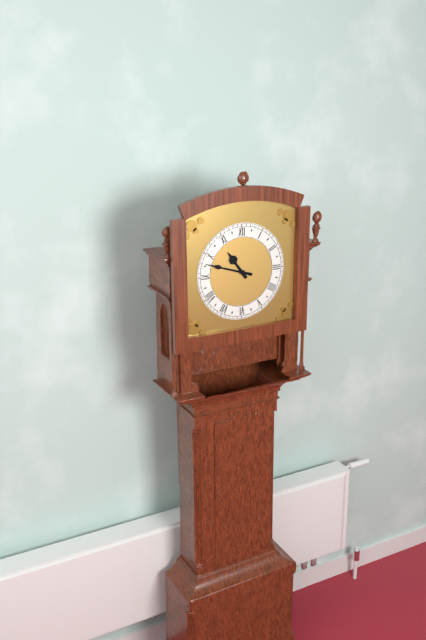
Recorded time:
10h48
